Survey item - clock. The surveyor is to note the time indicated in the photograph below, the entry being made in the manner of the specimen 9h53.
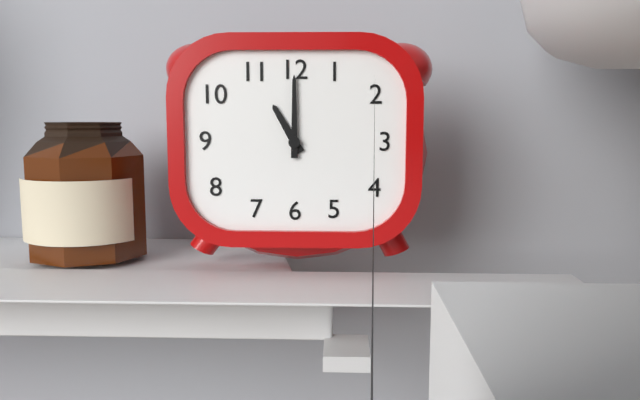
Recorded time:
11h00
